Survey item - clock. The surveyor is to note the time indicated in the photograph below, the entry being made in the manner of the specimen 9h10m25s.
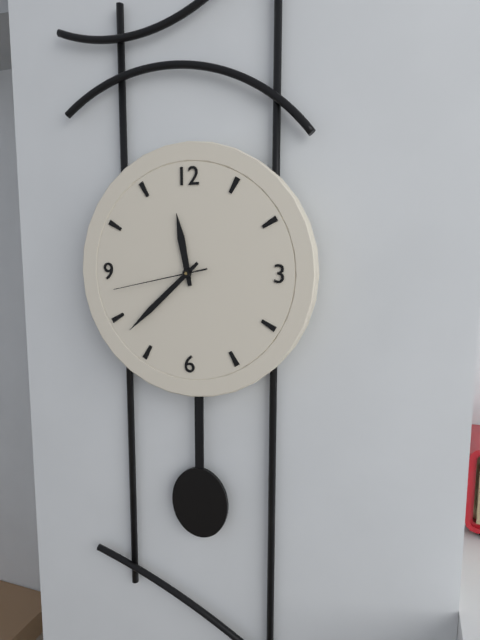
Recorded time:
11h38m43s
